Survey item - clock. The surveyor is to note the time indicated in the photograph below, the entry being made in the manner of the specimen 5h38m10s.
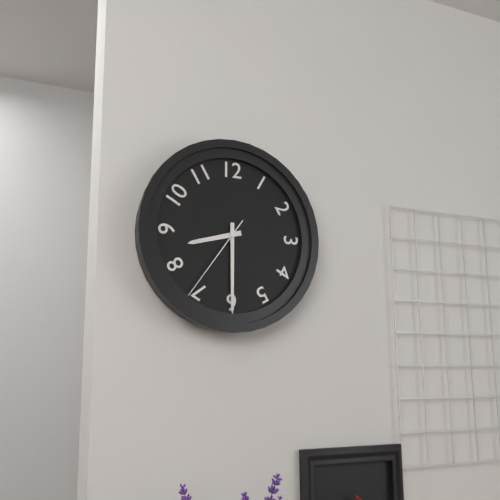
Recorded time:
8h30m36s
